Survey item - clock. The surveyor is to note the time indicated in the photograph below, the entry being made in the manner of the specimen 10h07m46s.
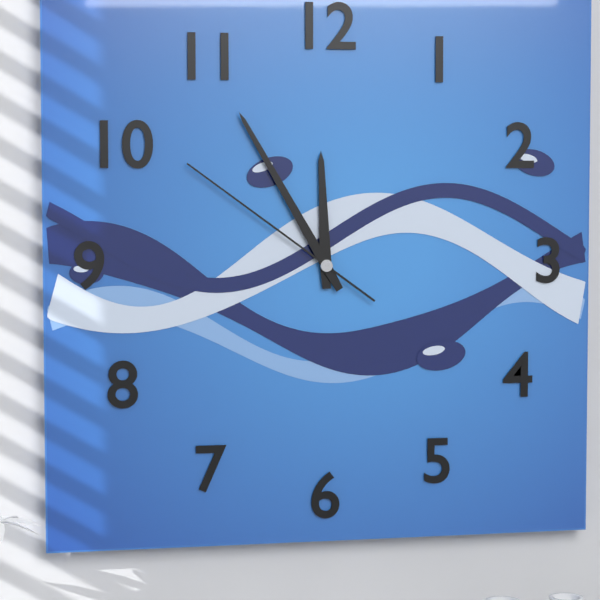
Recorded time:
11h55m51s
